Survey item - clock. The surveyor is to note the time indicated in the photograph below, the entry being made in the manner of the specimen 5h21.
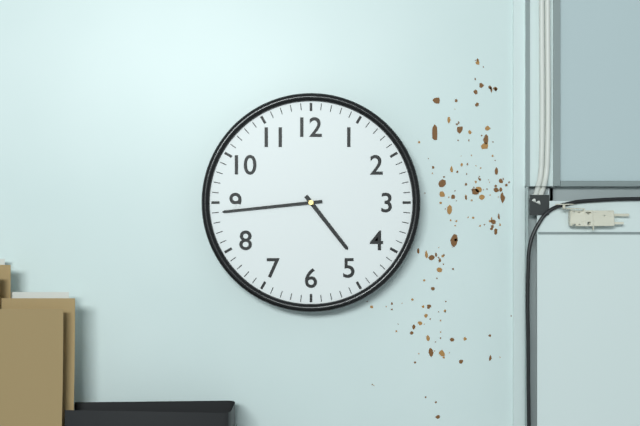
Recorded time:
4h44
